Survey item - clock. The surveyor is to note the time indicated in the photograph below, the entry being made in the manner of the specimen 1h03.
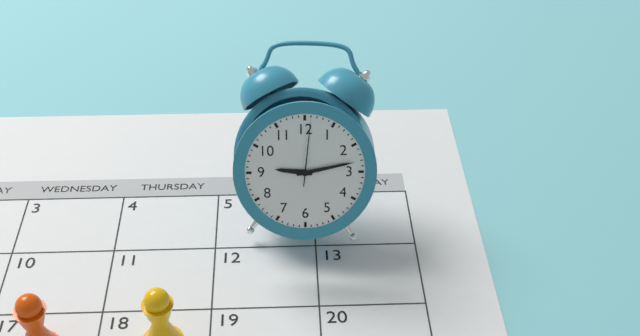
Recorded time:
9h13
